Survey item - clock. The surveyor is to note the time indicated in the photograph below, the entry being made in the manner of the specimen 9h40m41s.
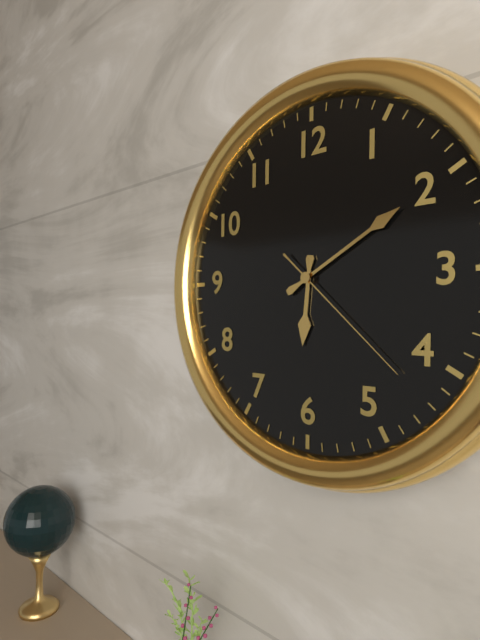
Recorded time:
6h10m22s
